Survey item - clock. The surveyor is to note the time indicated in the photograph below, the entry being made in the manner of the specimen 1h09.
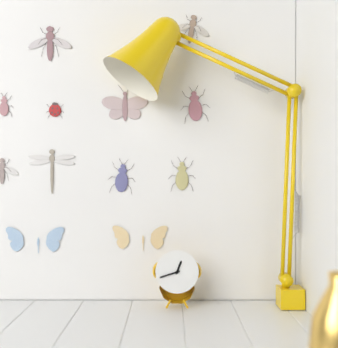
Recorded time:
12h42
